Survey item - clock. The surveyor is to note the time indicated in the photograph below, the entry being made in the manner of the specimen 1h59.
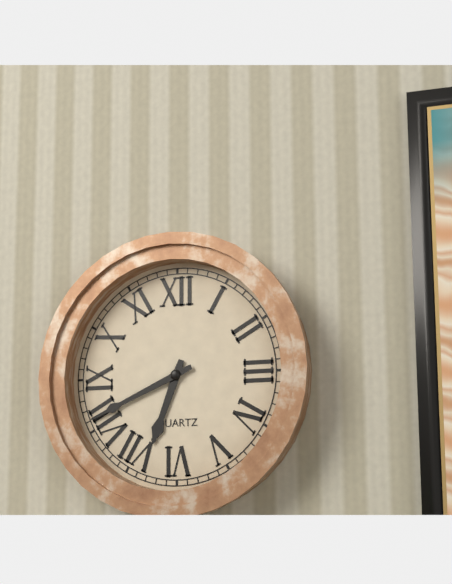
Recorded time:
6h41
